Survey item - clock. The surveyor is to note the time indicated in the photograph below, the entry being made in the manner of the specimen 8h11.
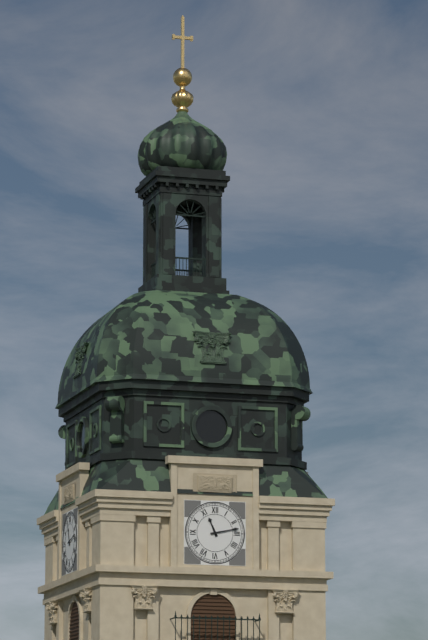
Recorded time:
11h13
